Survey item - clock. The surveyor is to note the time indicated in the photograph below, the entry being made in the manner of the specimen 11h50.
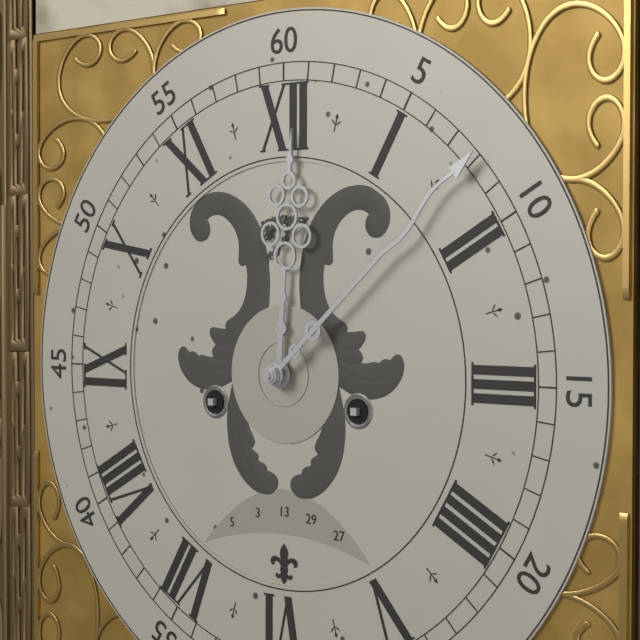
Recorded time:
12h08
